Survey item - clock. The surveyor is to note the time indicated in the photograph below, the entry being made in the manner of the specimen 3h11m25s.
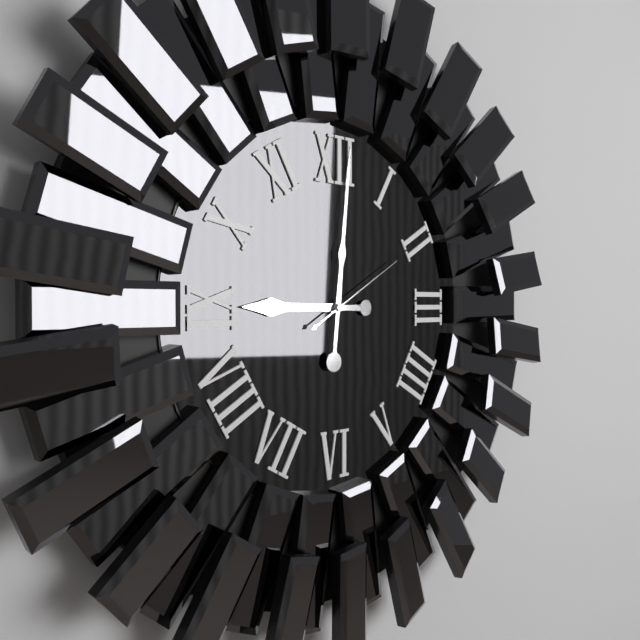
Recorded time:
9h01m10s
